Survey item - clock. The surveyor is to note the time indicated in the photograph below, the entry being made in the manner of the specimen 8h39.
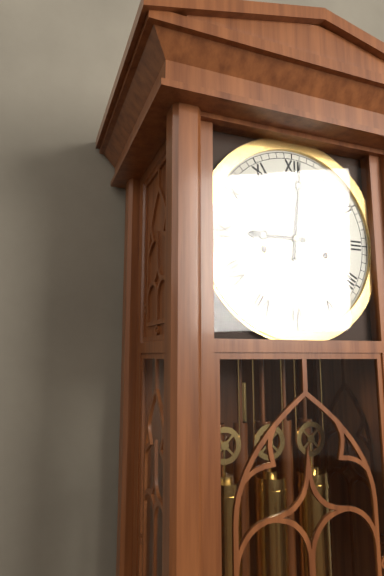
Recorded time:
9h01
